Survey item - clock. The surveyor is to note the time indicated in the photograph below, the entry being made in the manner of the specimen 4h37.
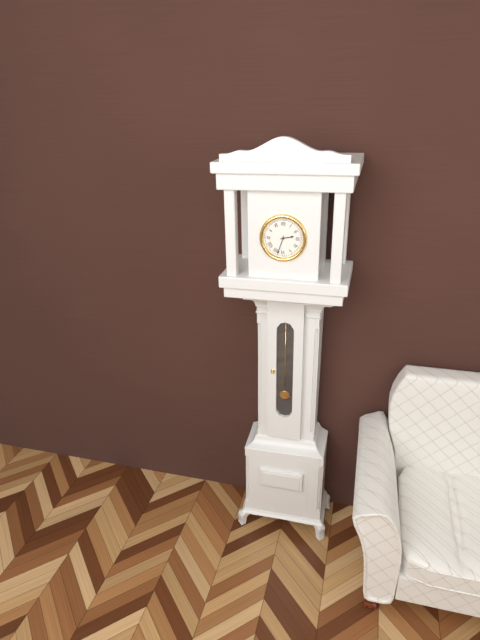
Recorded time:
2h33
